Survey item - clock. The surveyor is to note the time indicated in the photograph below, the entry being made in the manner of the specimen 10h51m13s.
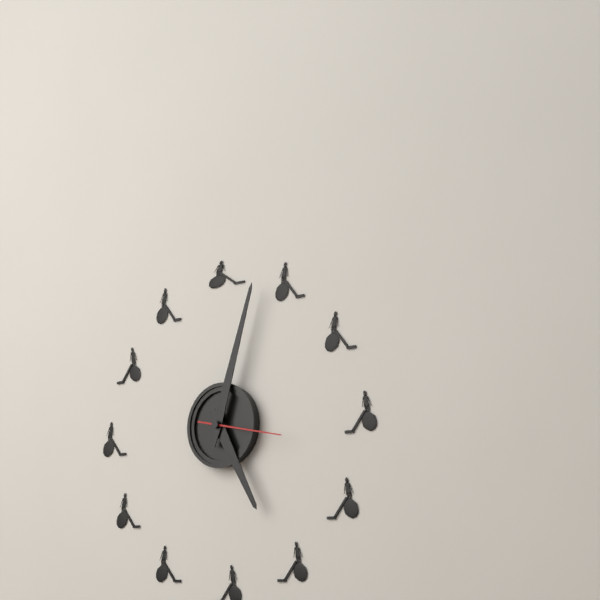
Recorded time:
5h03m17s
